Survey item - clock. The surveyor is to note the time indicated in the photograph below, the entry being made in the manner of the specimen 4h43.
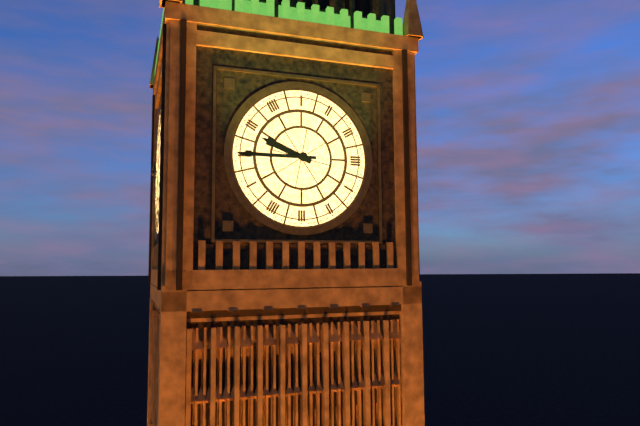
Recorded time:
9h45
